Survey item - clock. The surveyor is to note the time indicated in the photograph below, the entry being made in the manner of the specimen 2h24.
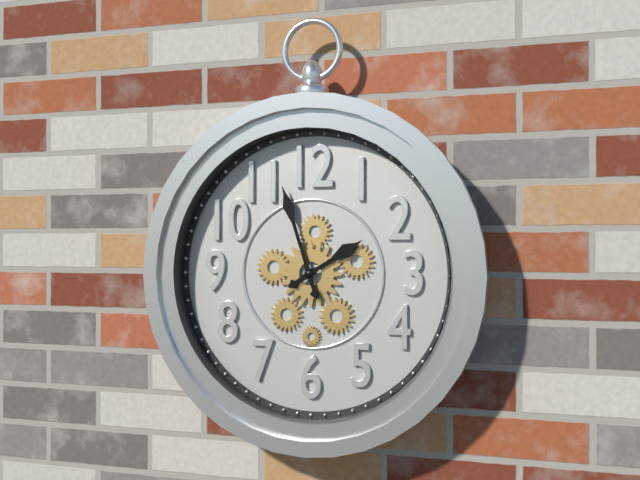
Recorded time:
1h57
